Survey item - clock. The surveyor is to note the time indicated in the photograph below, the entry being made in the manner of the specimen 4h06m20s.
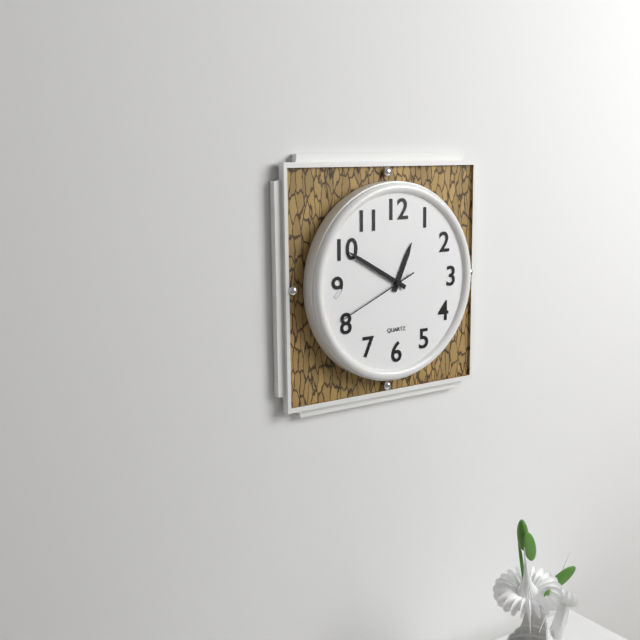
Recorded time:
12h50m41s
